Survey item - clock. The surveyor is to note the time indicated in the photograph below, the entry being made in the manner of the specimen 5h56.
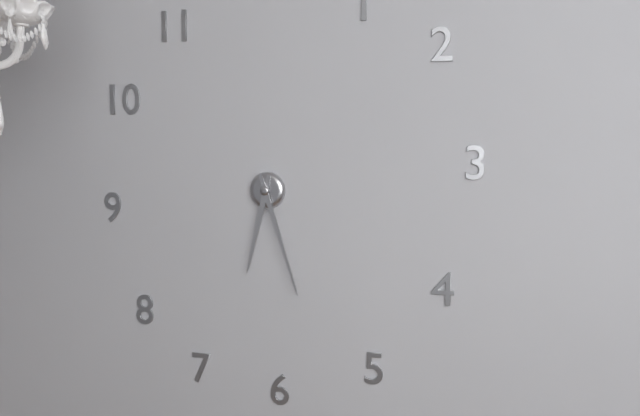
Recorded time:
6h27
